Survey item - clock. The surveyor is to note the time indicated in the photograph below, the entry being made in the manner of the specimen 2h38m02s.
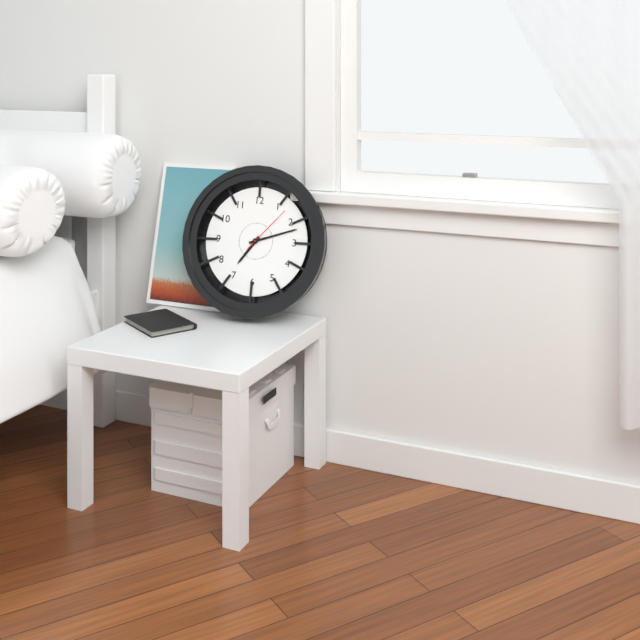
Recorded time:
7h12m07s
